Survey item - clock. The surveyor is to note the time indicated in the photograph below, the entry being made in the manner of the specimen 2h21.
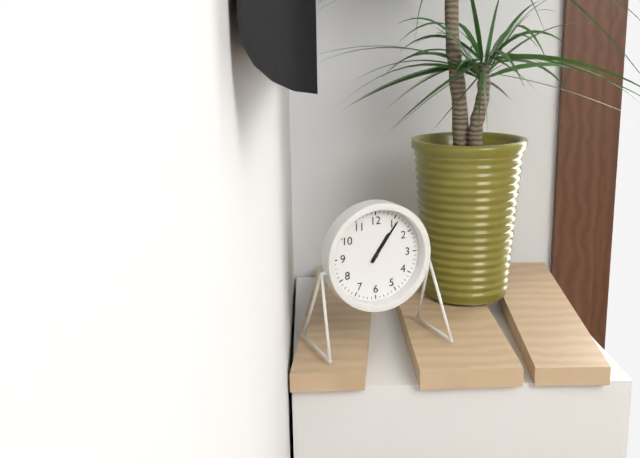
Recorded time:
1h06
